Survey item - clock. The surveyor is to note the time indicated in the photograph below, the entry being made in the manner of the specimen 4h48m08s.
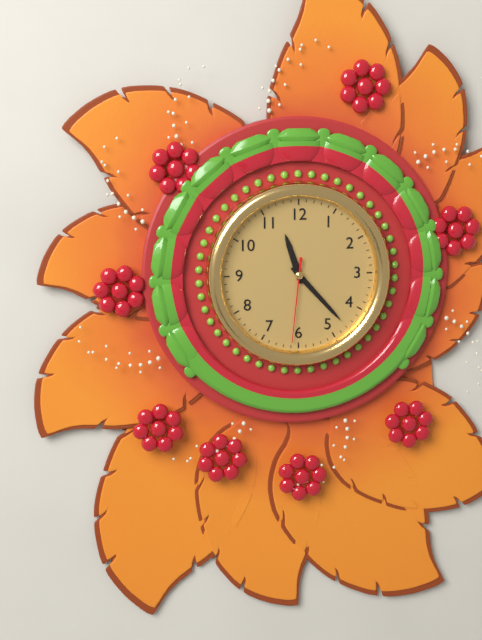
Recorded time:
11h23m31s
